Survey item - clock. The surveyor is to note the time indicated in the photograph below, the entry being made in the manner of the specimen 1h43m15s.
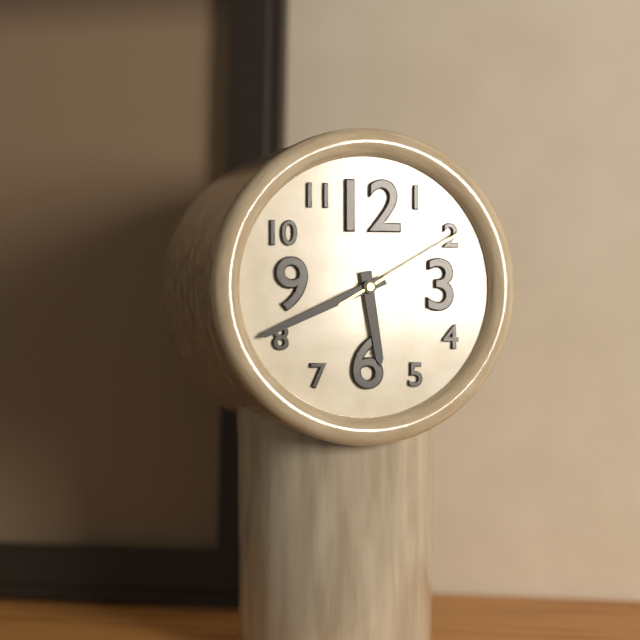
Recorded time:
5h41m10s
